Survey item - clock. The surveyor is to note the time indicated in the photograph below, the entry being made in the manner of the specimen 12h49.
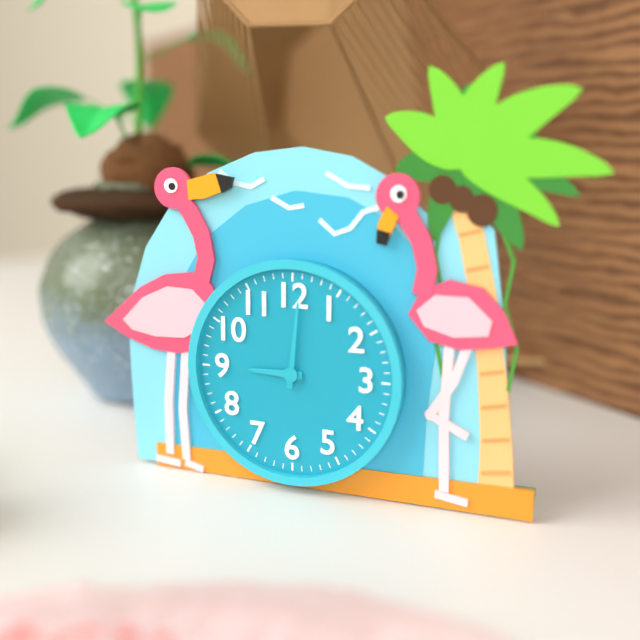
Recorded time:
9h01
